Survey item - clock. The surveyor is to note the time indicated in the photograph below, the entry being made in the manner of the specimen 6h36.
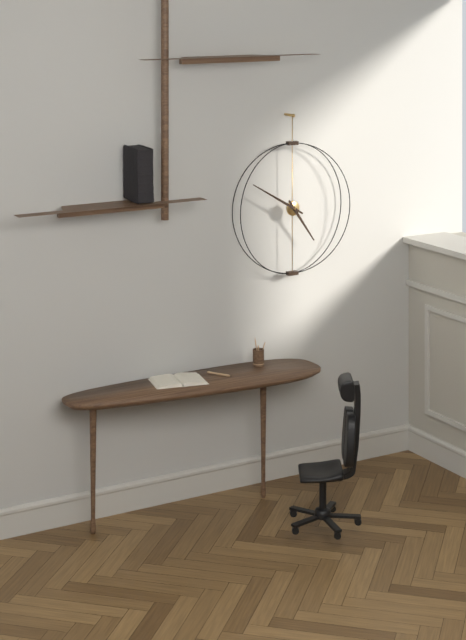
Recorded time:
4h50
